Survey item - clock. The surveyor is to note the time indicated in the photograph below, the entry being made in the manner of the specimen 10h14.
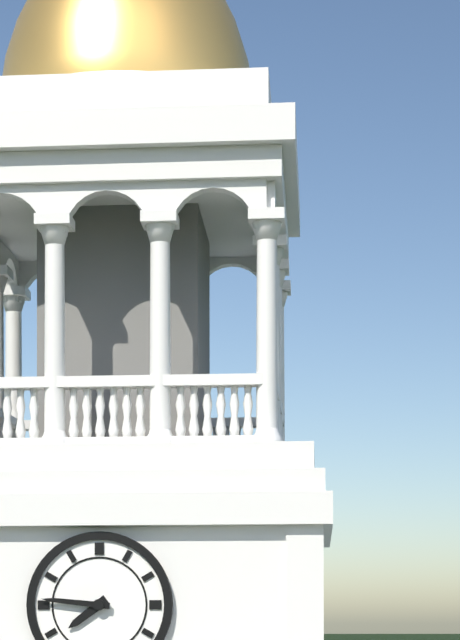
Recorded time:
7h46
